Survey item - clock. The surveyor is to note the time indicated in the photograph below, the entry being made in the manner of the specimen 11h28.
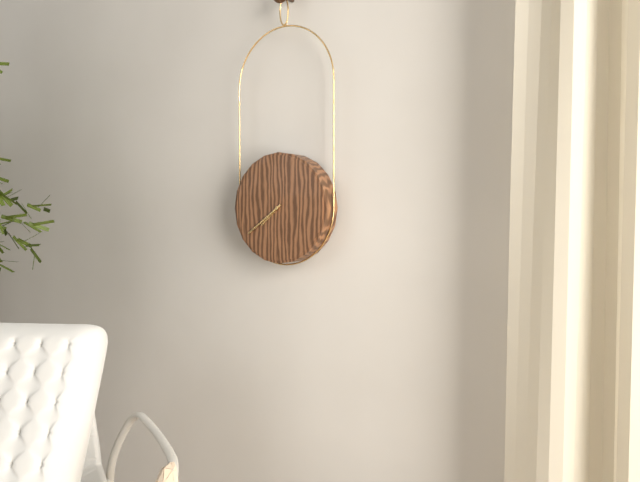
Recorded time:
7h39
